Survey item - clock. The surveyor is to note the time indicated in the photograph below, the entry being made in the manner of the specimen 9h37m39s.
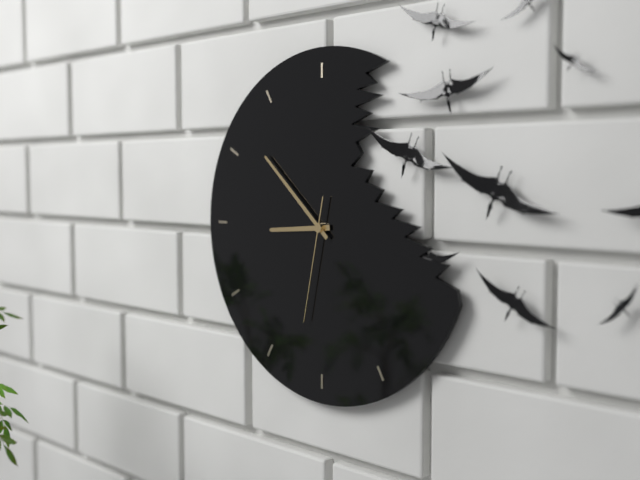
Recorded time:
8h52m32s
